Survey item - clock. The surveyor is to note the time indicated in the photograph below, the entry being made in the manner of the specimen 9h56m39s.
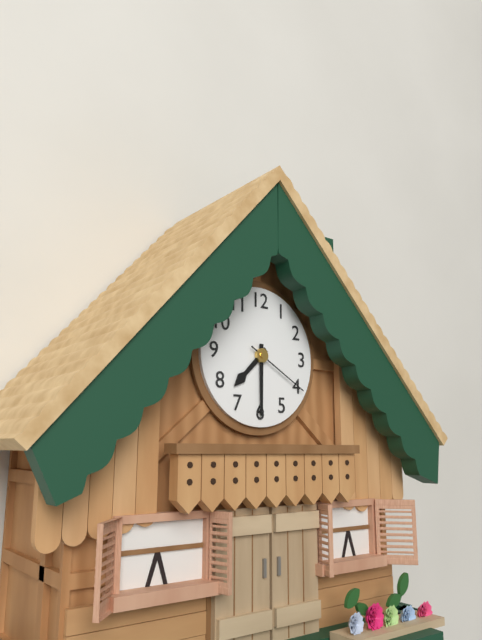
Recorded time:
7h30m20s
